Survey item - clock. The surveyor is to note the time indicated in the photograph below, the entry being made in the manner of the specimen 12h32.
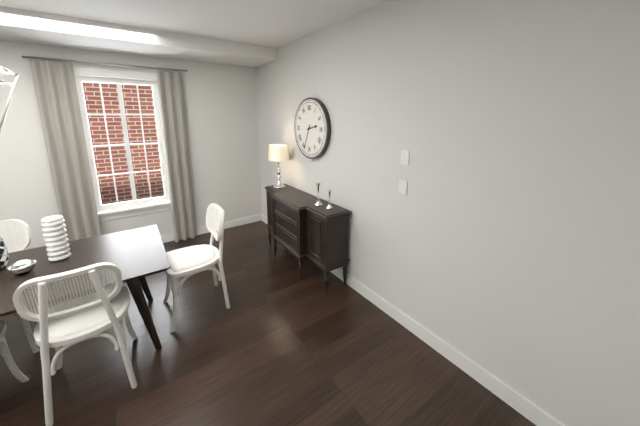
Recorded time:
2h34
